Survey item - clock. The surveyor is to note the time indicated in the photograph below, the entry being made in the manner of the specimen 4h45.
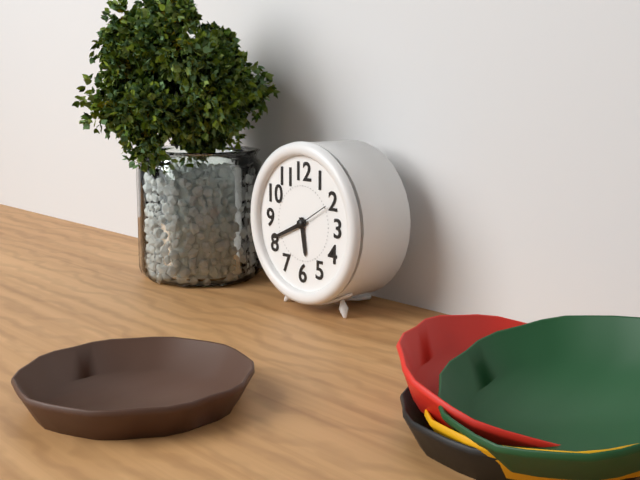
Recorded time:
5h41
